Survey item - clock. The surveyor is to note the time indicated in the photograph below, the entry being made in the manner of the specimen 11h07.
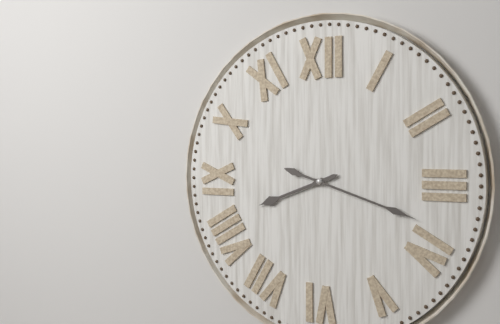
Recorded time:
8h18
